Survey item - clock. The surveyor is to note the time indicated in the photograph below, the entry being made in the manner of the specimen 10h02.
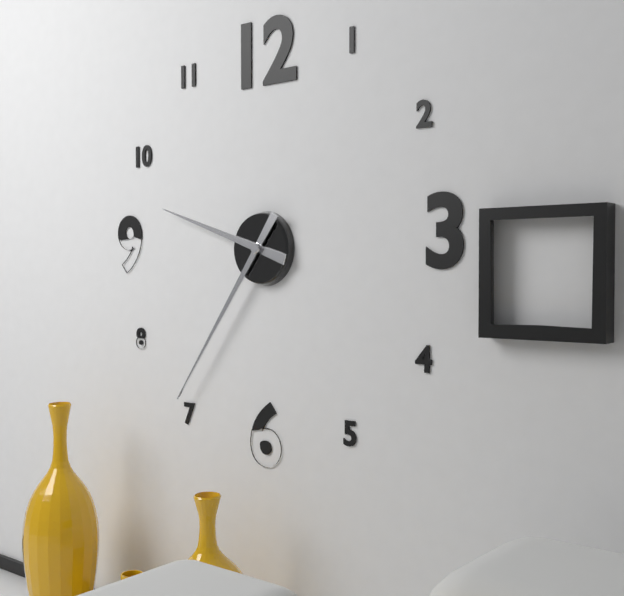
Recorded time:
9h36
